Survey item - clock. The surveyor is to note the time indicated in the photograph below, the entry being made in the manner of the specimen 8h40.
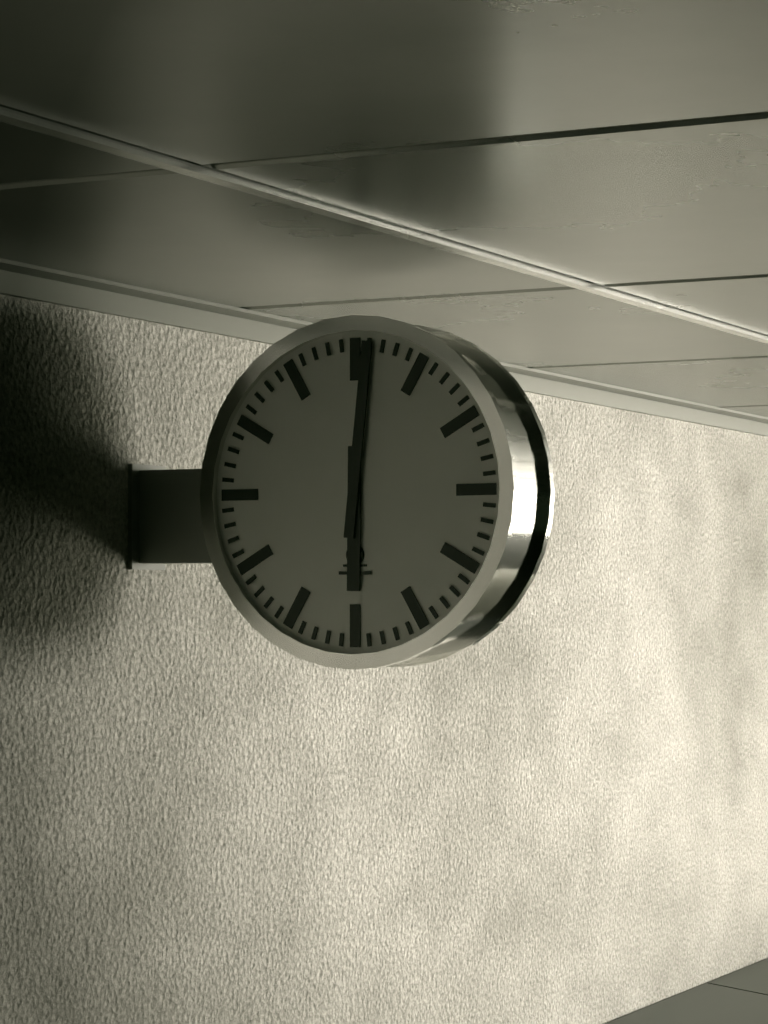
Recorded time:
6h01
